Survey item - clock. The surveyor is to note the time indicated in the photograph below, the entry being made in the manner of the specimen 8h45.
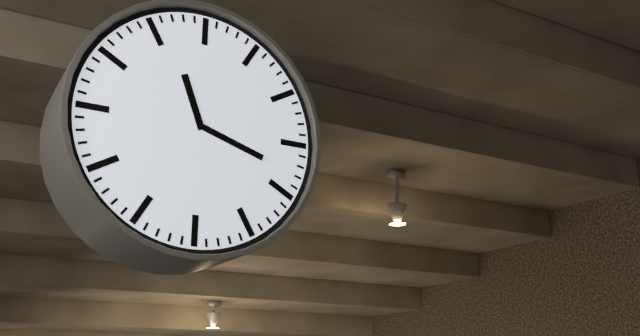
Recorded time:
11h18
